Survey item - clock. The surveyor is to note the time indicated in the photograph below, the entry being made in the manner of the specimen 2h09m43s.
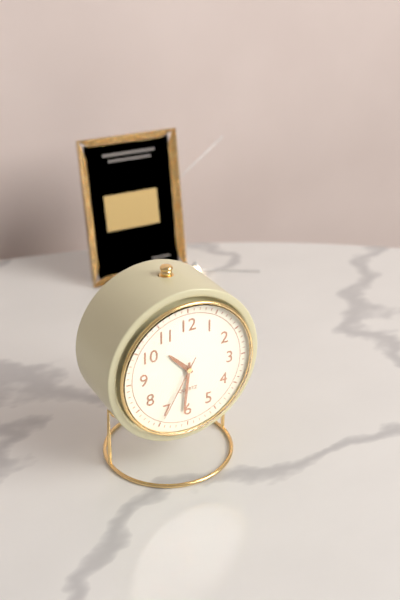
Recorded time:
10h31m35s
